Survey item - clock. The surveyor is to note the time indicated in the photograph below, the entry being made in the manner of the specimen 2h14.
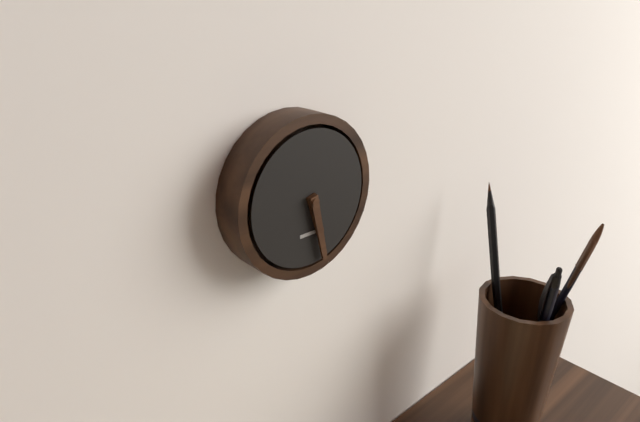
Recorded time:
5h28
